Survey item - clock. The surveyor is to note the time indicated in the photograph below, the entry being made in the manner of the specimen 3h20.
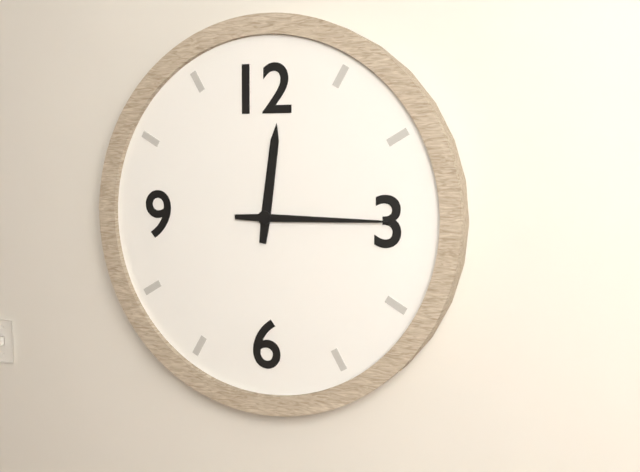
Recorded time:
12h15
